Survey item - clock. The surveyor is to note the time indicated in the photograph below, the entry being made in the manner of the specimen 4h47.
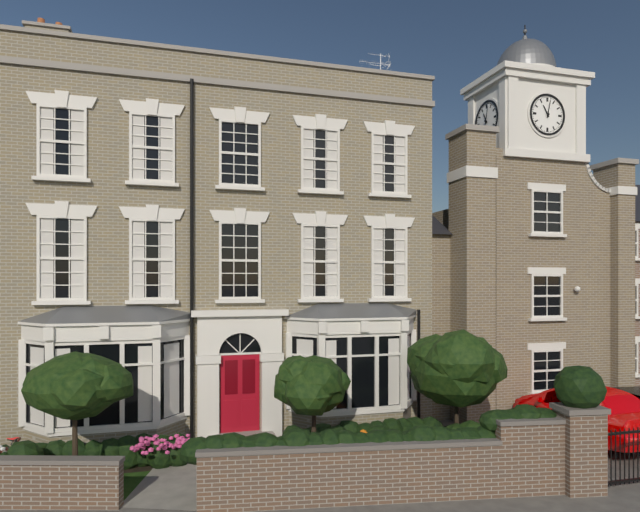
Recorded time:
11h02
